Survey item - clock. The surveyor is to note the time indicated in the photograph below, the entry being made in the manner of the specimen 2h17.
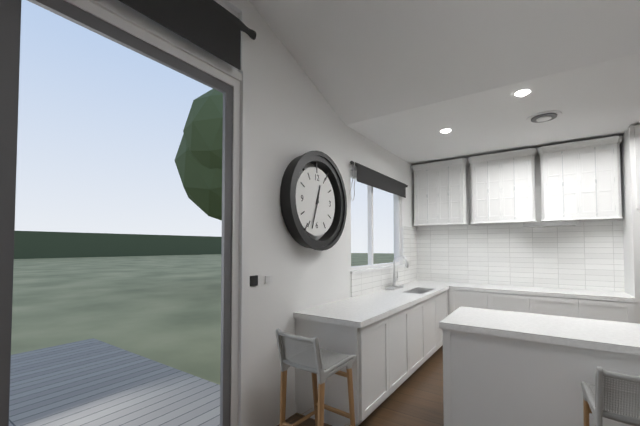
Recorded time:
12h33
